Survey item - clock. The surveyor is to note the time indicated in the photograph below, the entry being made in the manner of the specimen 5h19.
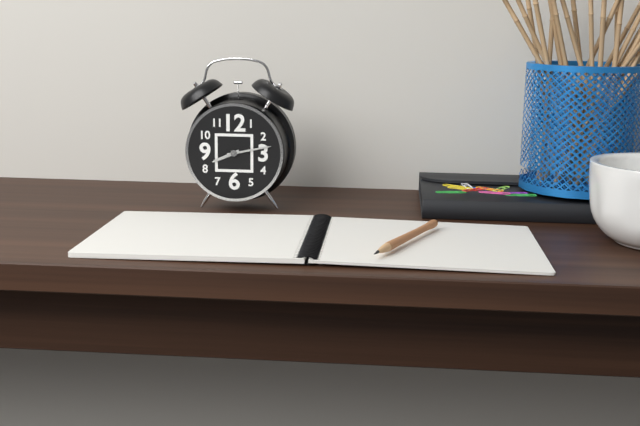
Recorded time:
8h13
